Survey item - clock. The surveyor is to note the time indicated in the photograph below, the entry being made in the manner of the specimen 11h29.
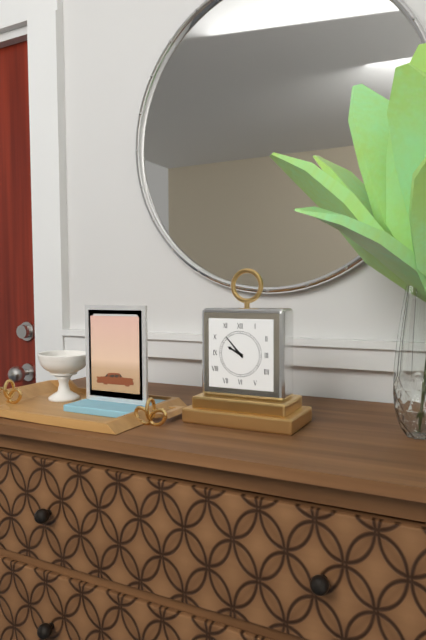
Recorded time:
9h53
